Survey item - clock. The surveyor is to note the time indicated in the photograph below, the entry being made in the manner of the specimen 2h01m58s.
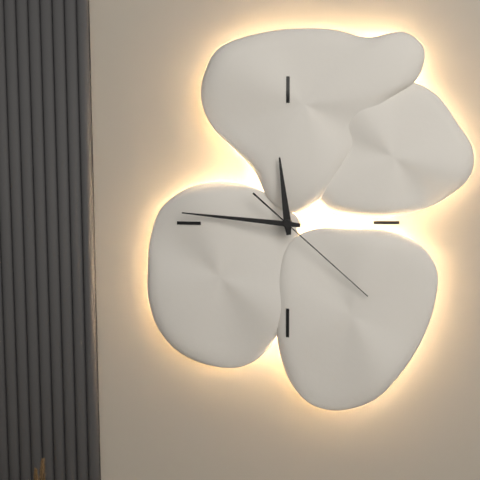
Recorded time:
11h46m22s
